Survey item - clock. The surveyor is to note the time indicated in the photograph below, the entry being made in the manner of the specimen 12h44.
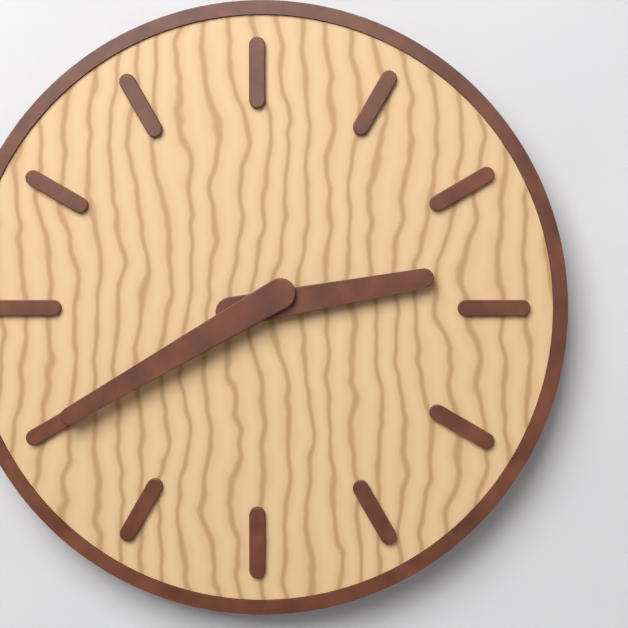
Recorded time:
2h40
